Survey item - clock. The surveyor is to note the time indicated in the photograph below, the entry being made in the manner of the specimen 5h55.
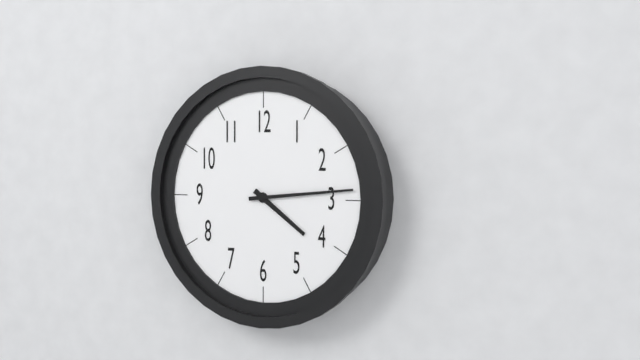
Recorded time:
4h14
